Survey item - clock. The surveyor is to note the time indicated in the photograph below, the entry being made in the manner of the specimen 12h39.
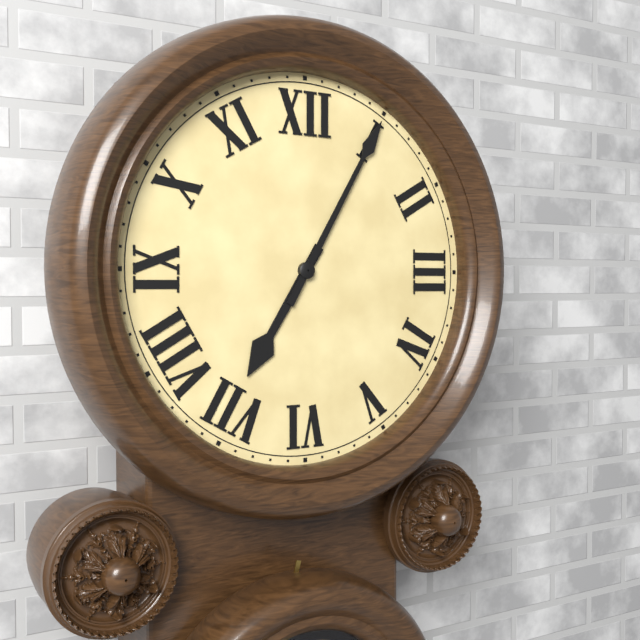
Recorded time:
7h05
